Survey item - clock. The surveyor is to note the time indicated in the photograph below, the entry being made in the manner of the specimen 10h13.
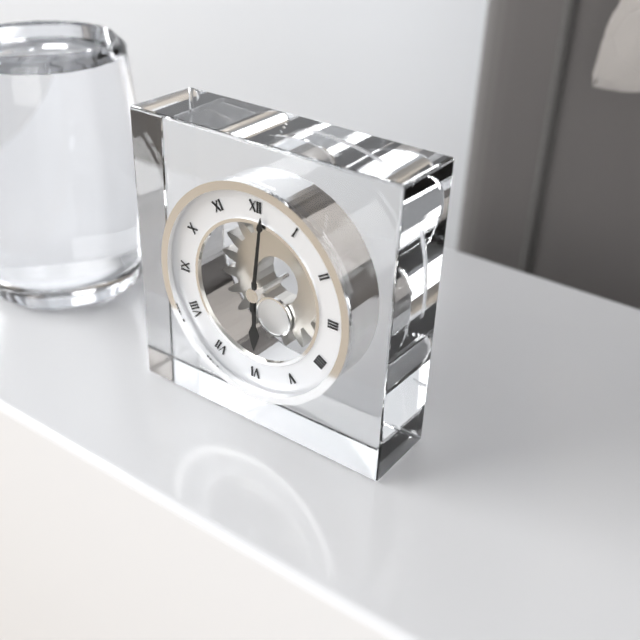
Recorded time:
6h01
